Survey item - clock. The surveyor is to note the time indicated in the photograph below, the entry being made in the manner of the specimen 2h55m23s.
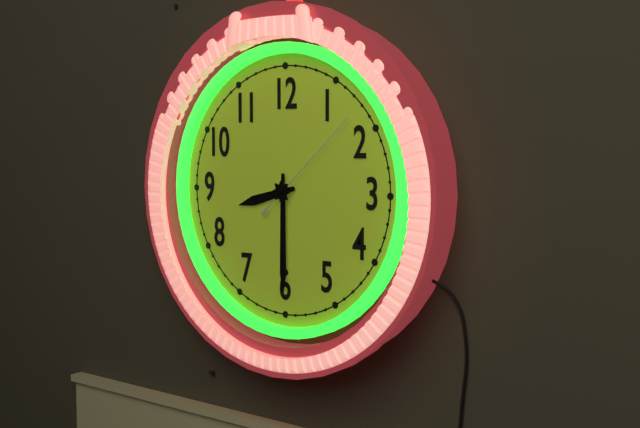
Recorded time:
8h30m08s
